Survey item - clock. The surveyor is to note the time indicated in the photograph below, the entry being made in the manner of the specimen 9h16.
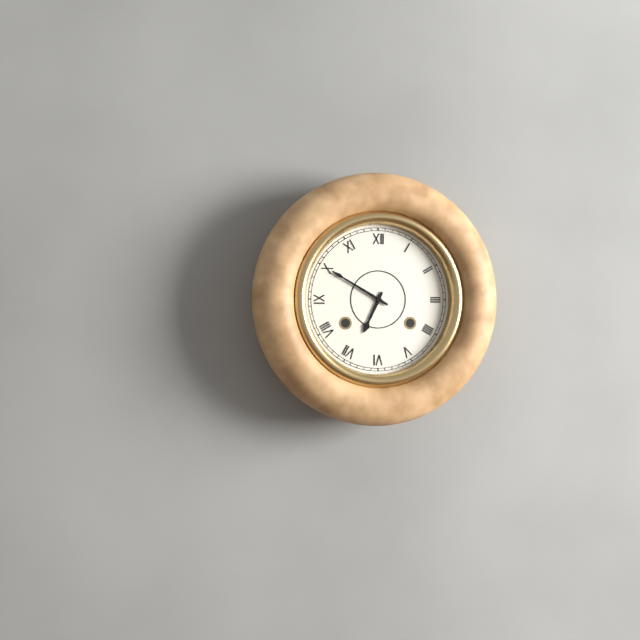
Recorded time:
6h50
